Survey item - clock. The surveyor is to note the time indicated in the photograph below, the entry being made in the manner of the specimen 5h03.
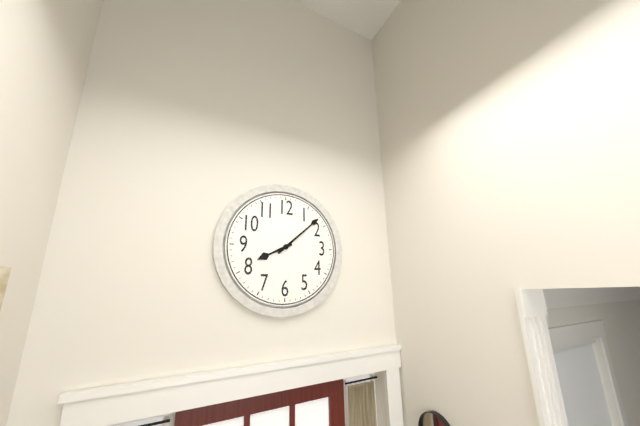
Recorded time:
8h08
